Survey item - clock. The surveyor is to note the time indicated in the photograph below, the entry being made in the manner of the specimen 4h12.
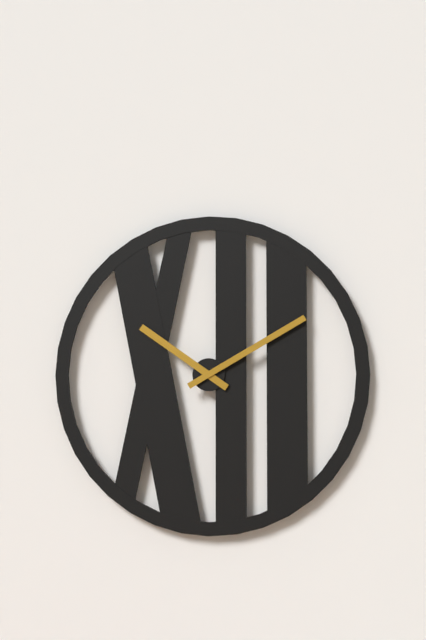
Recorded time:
10h10
